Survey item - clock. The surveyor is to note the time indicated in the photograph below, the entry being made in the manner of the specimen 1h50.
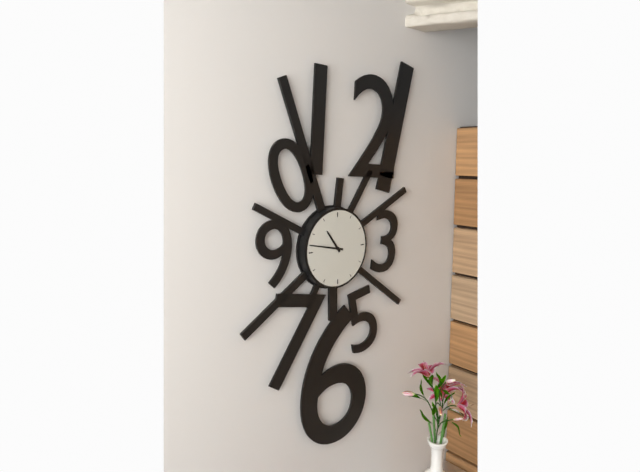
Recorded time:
10h47
